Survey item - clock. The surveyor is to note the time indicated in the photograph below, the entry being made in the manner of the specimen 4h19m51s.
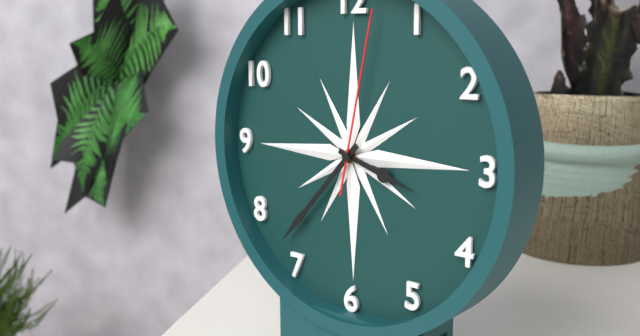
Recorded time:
3h37m02s
